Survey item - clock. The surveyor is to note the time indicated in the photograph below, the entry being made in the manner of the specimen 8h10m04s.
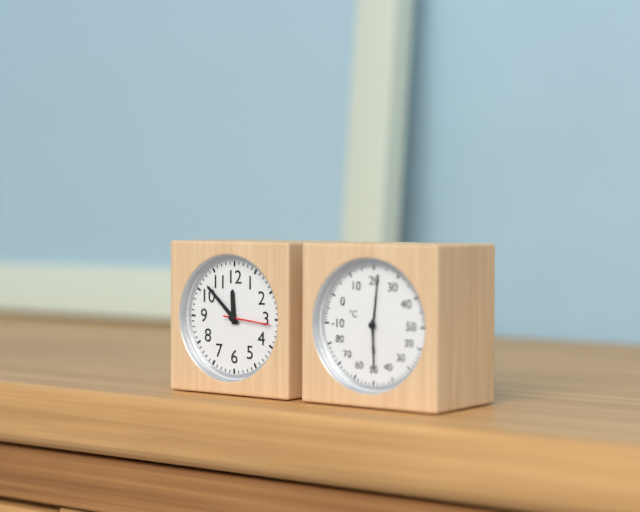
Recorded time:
11h52m16s
